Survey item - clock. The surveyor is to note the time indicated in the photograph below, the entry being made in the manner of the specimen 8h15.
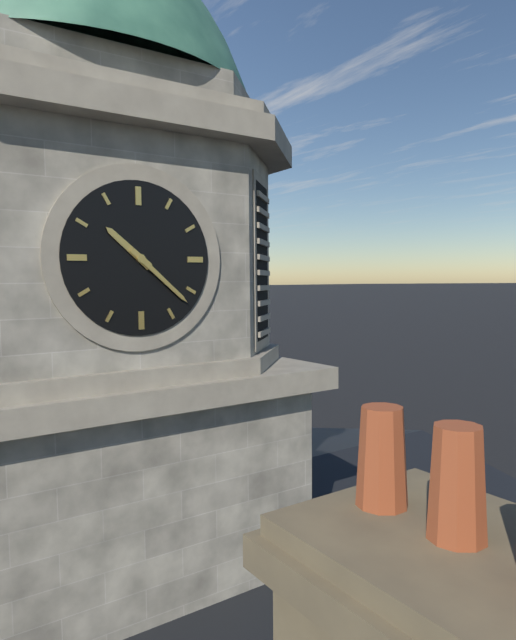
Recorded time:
10h22
